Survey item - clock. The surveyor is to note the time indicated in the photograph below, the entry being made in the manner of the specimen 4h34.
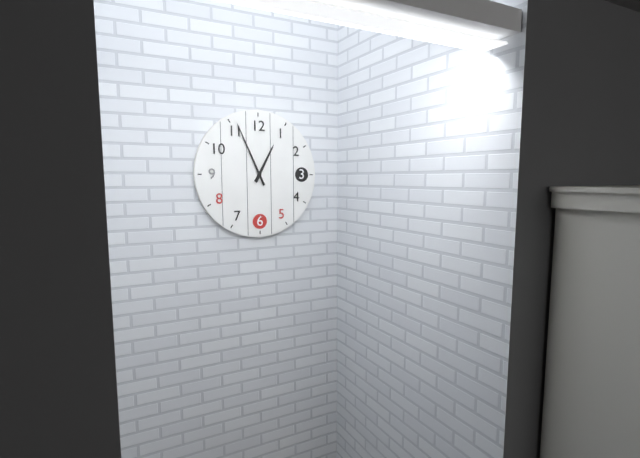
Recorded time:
12h56
